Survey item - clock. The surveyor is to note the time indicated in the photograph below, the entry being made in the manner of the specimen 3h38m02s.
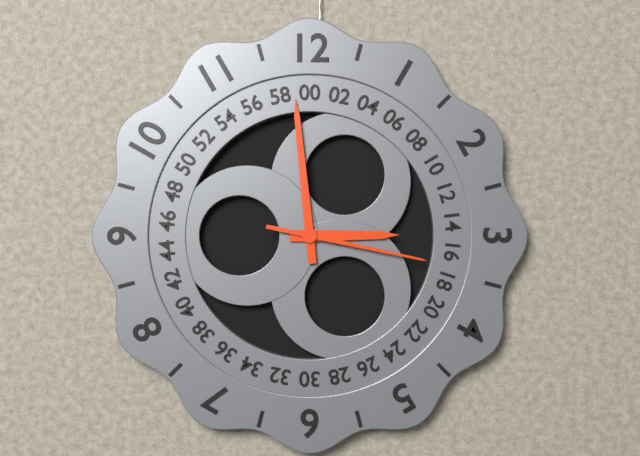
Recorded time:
2h59m17s
